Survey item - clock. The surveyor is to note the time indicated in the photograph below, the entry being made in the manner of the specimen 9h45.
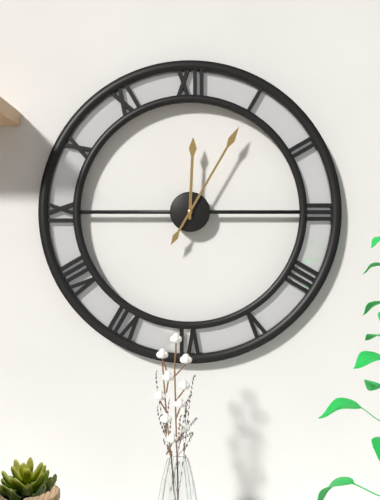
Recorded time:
12h05
